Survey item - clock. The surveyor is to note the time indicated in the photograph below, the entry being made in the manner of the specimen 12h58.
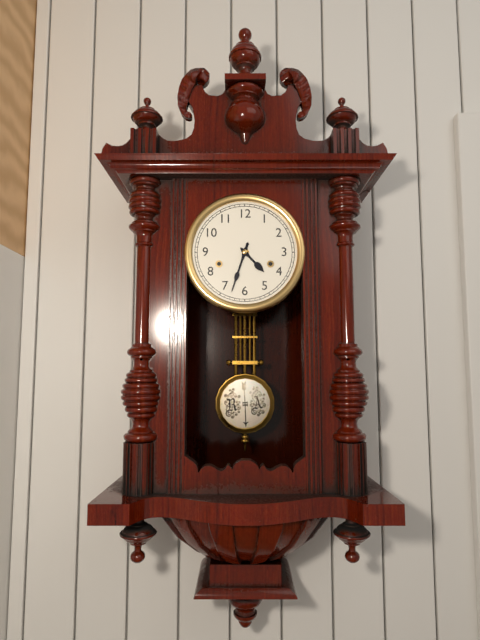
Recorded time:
4h33
